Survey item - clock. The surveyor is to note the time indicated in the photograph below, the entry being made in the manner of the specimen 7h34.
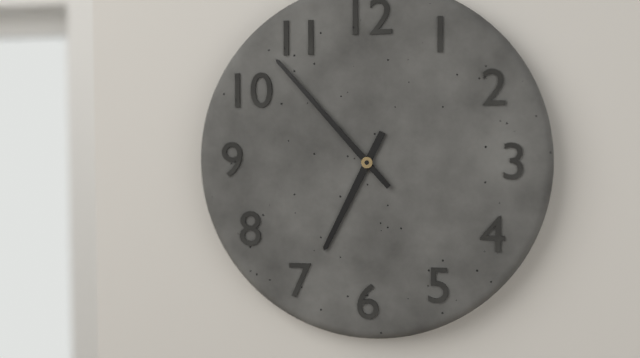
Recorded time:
6h53
